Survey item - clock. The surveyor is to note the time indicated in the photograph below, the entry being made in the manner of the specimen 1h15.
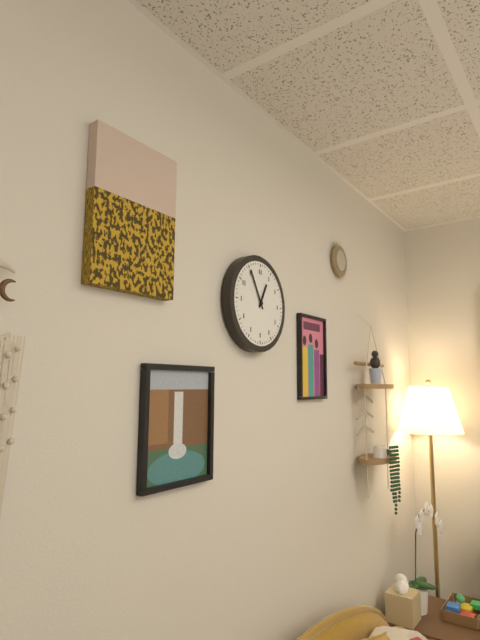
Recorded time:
12h55
